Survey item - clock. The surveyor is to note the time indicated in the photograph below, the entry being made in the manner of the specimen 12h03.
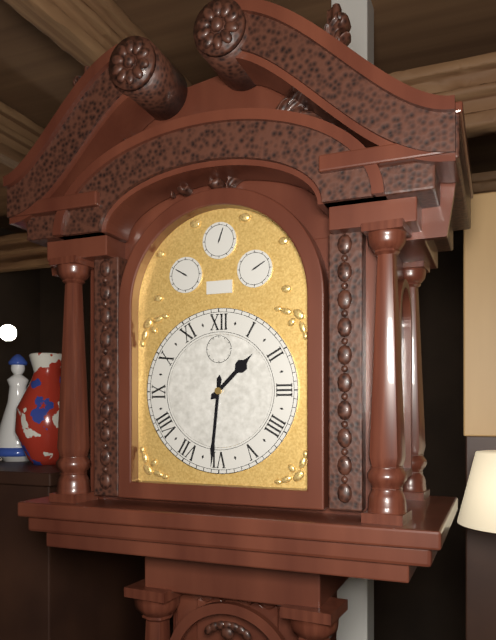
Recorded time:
1h31
